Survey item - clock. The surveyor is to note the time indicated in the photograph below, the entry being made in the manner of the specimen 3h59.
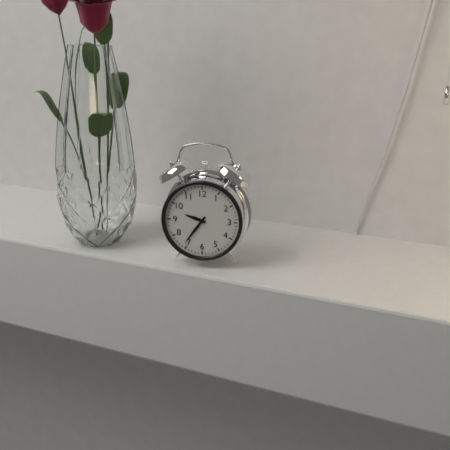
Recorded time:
9h36
